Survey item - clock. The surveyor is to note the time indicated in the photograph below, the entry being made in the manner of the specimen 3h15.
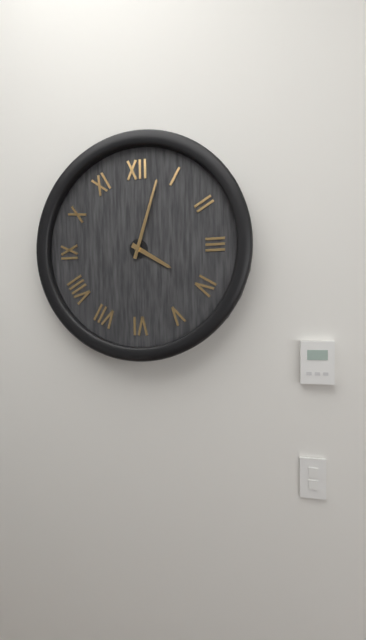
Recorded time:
4h03
